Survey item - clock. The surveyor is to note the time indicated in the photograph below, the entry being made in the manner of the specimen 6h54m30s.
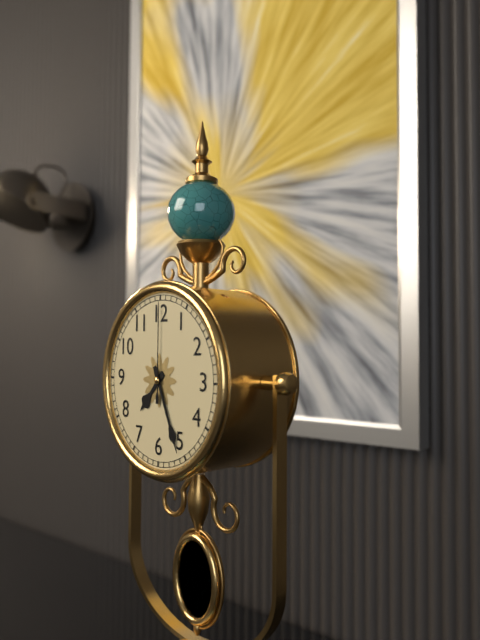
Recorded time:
7h26m00s
